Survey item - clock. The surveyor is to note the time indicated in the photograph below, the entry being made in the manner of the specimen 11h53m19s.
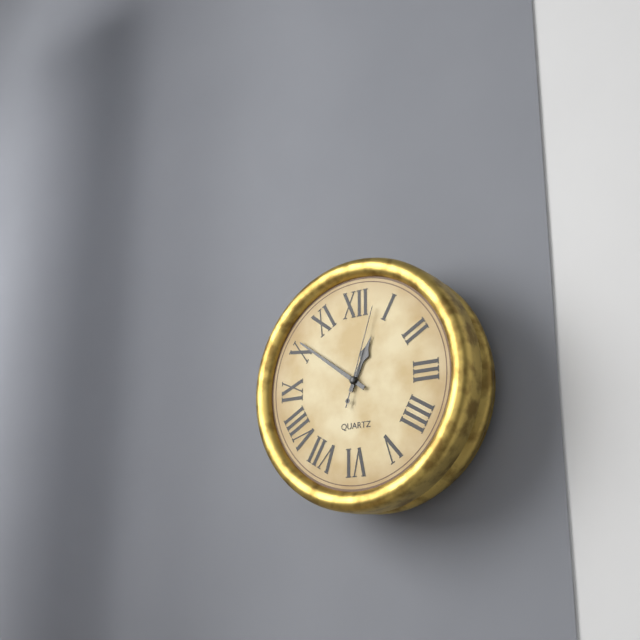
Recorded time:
12h51m03s
